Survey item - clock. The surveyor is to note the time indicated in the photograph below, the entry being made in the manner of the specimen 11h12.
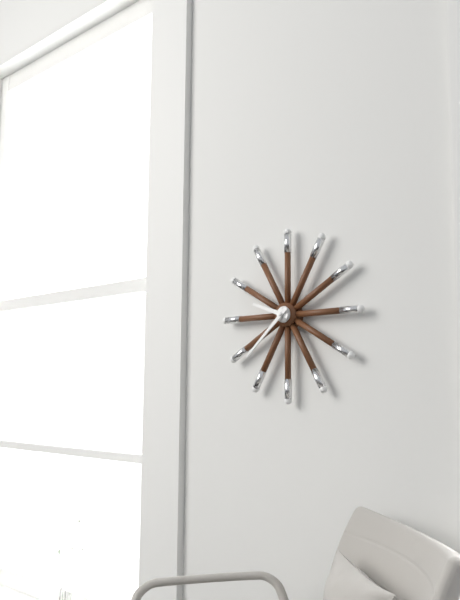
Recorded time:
9h38
